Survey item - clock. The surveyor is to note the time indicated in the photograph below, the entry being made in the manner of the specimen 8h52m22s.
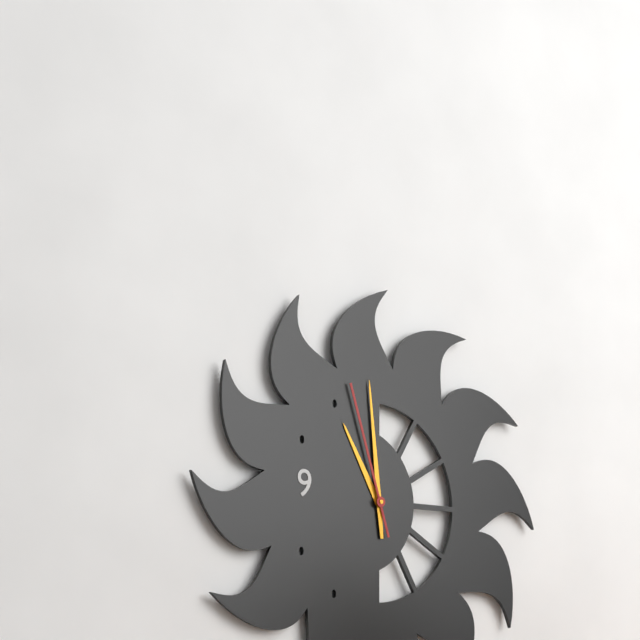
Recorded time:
10h59m57s
